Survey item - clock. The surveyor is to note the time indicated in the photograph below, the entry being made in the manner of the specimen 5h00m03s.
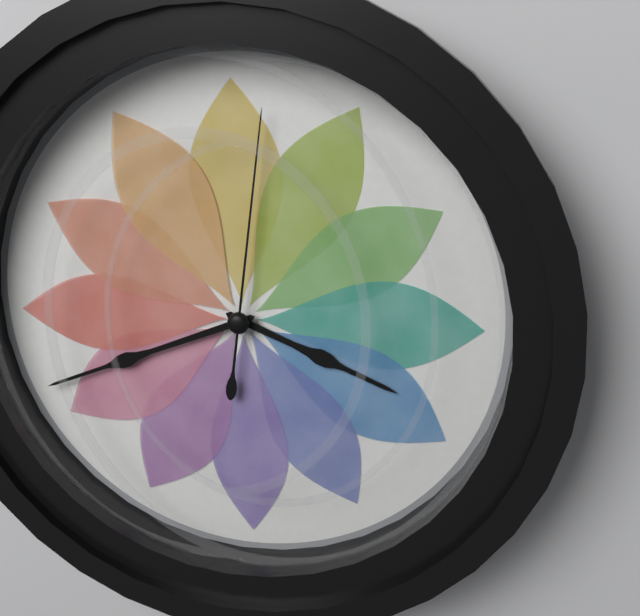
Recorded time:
3h41m01s
